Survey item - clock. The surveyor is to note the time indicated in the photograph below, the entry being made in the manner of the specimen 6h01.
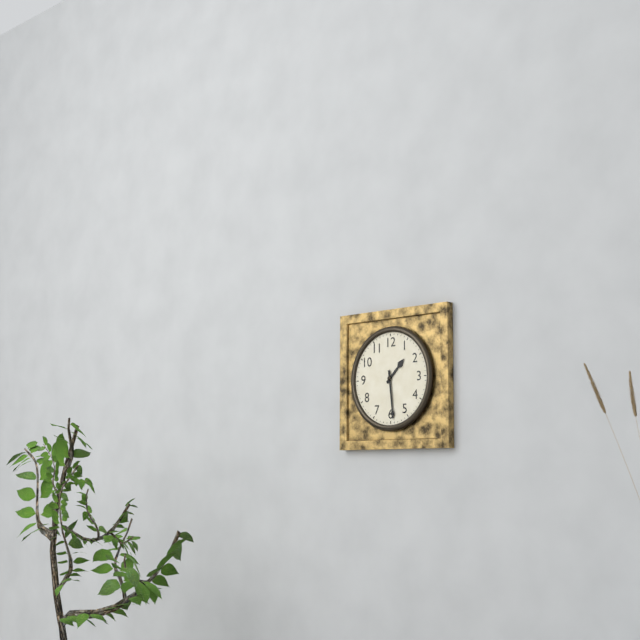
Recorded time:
1h29
